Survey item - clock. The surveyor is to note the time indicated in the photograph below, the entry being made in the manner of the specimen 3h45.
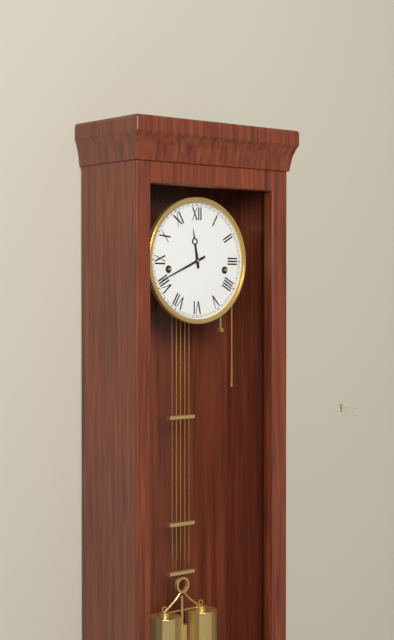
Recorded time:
11h41
